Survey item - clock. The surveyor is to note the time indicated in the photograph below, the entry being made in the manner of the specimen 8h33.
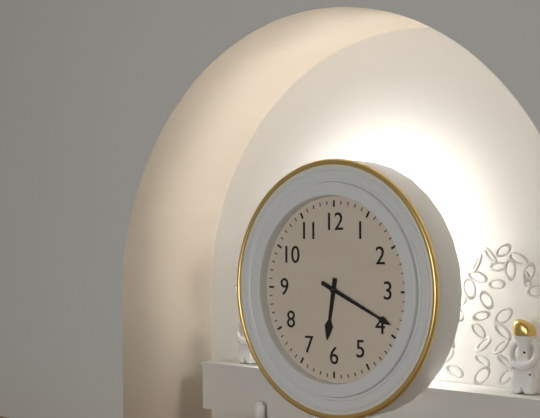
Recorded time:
6h19
